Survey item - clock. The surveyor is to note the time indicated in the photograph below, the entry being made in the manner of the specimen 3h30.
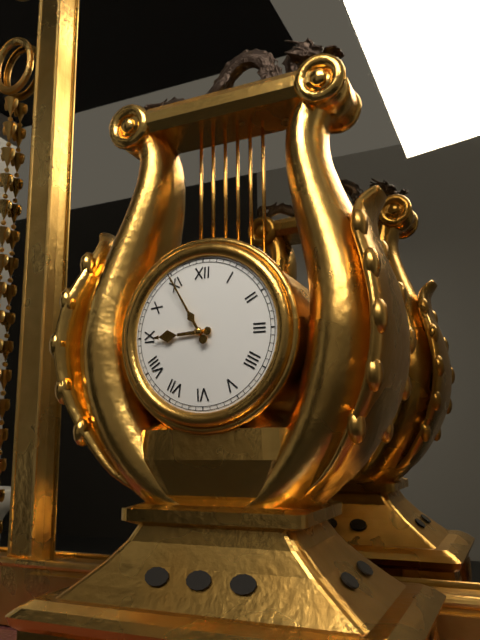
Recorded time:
8h55
